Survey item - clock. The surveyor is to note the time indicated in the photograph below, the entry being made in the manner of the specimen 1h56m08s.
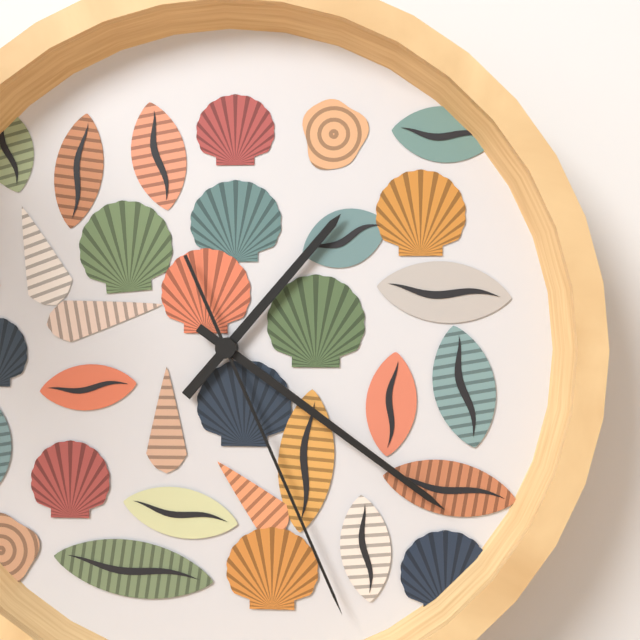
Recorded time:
1h21m26s
